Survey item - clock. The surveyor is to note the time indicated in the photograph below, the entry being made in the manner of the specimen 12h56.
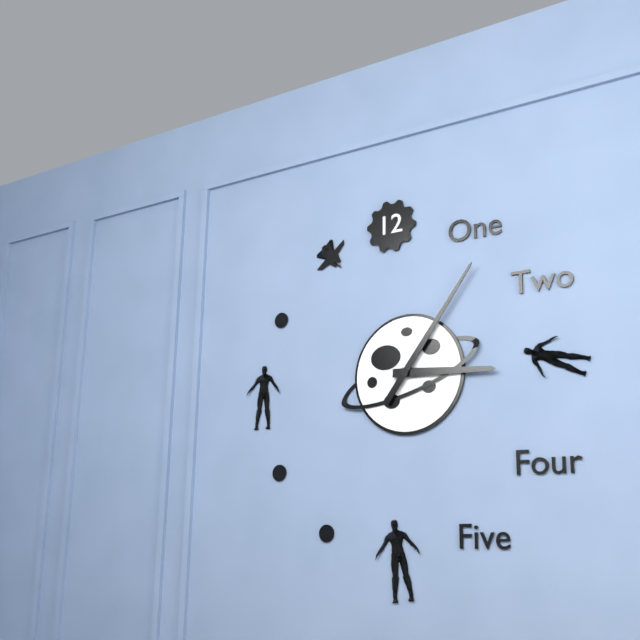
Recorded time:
3h06
